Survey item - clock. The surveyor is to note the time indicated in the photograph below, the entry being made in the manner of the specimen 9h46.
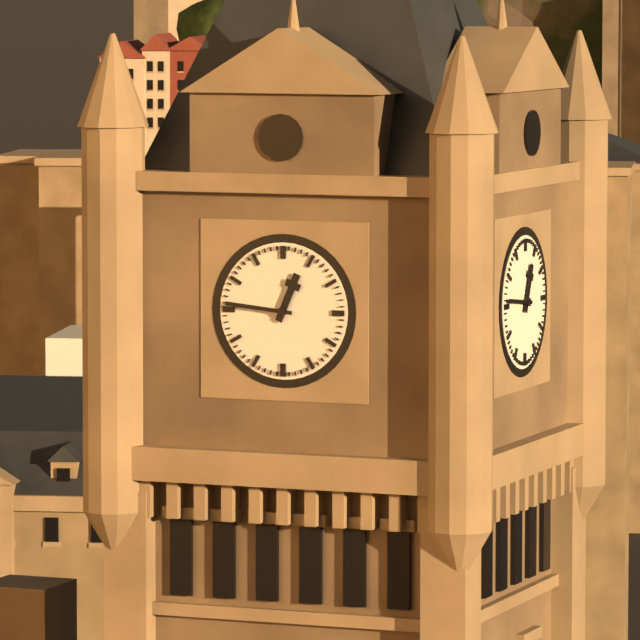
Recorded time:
12h46
